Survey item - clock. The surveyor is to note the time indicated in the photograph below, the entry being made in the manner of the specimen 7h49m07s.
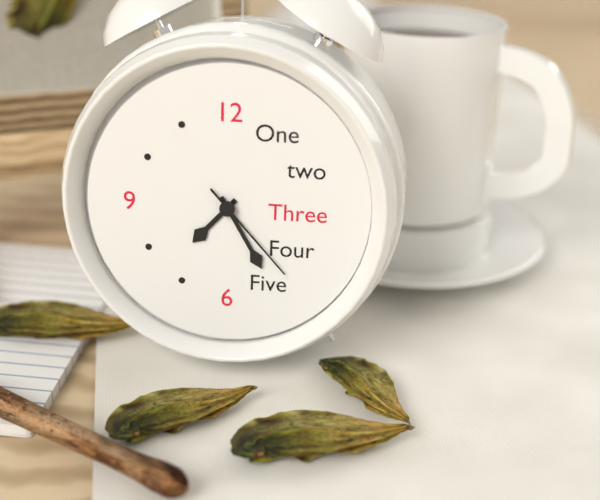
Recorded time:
7h25m23s
